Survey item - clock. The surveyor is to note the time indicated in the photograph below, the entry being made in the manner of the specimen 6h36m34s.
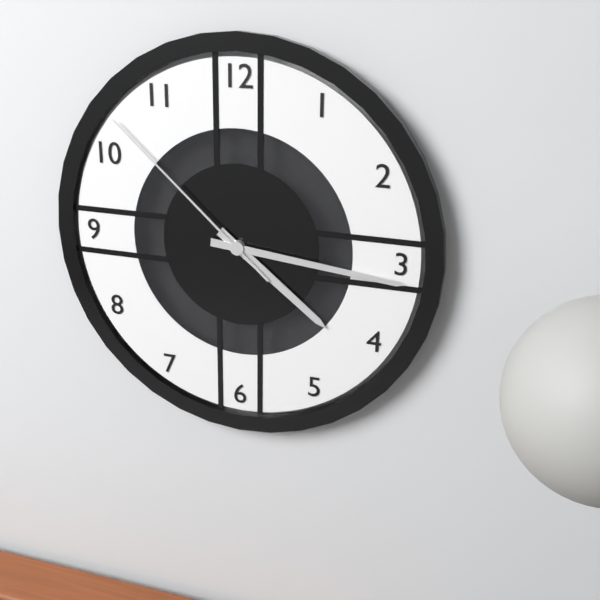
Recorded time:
4h16m52s
